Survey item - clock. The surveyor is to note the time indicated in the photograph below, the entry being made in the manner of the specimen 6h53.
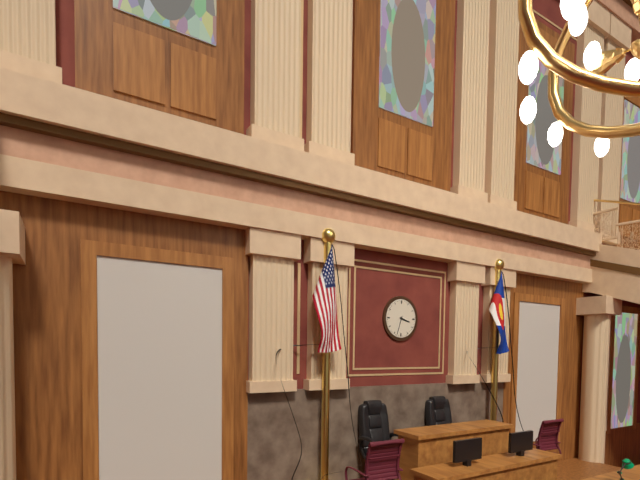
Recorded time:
3h33
